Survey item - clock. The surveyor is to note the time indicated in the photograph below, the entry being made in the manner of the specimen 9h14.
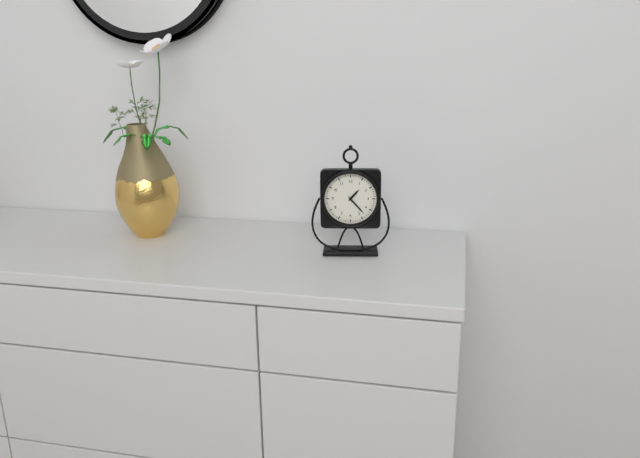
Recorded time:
1h23
